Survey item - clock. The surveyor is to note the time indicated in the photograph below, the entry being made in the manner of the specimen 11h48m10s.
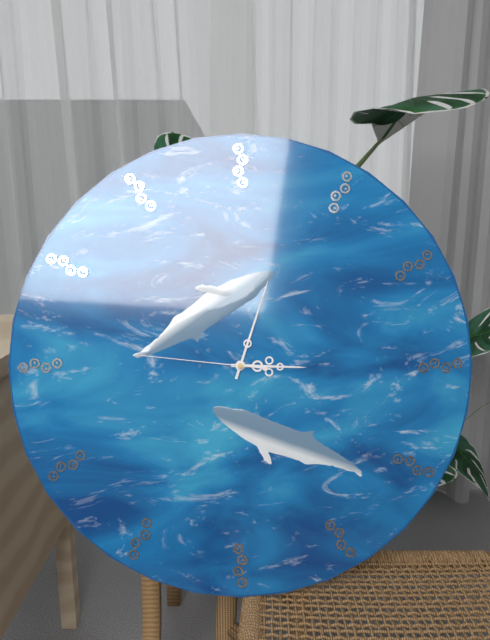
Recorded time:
3h03m46s
